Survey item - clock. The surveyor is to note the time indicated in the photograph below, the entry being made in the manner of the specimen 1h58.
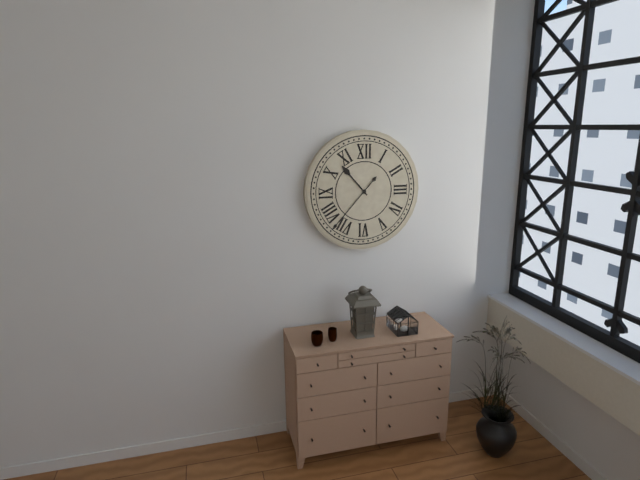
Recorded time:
10h37
